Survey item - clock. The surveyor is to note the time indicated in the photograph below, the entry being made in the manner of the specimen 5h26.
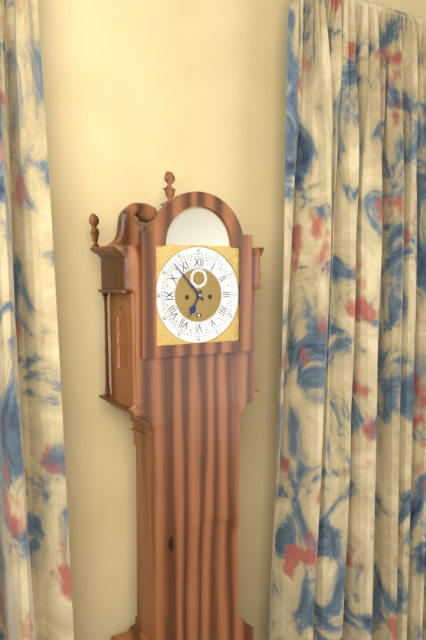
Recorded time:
6h53
